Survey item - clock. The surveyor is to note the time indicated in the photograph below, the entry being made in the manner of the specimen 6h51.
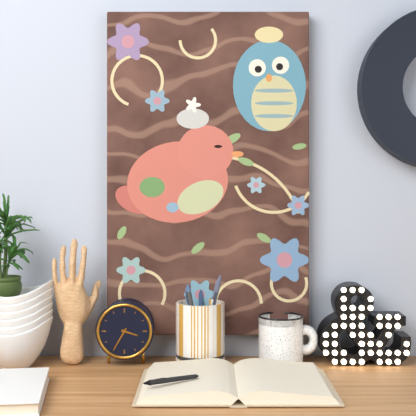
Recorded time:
3h35
